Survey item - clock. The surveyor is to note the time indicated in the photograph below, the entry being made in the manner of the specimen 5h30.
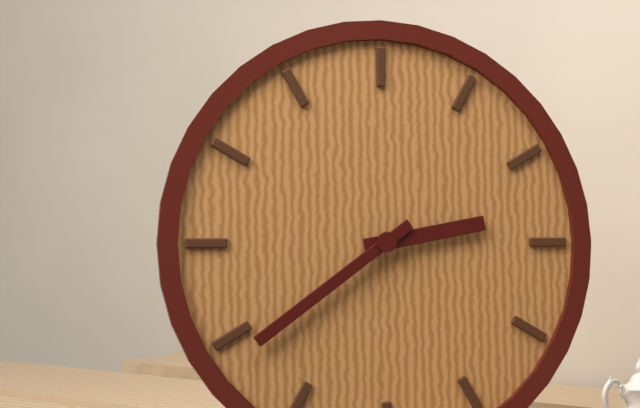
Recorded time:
2h39
